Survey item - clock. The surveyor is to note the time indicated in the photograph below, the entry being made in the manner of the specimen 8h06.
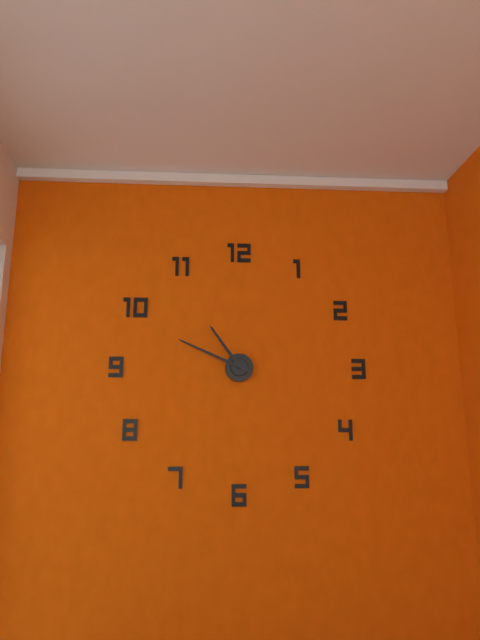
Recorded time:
10h49
